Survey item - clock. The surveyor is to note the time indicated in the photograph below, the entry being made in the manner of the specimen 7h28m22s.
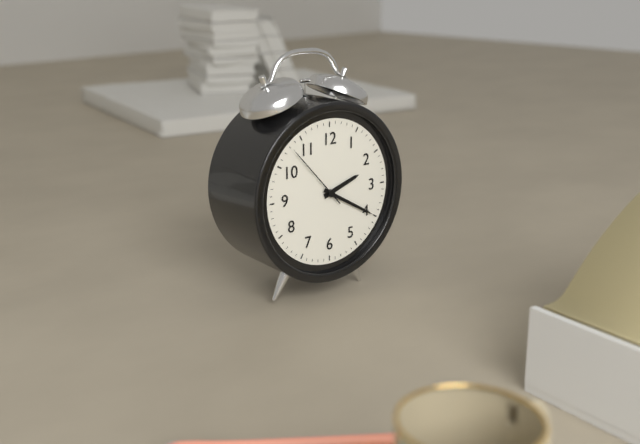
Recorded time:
2h20m53s
